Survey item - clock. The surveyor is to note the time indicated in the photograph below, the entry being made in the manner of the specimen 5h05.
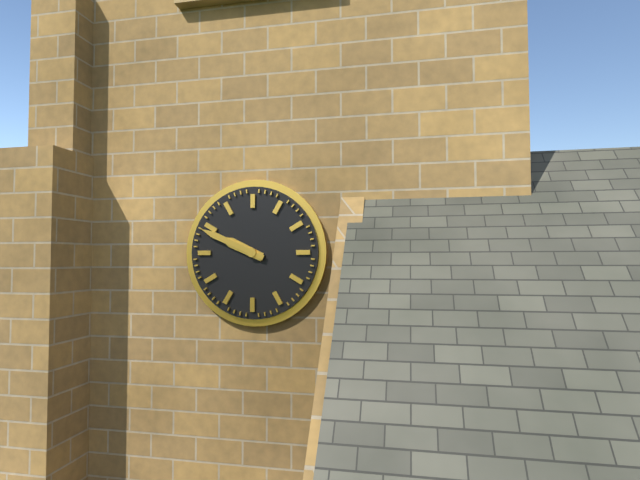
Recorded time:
9h49
